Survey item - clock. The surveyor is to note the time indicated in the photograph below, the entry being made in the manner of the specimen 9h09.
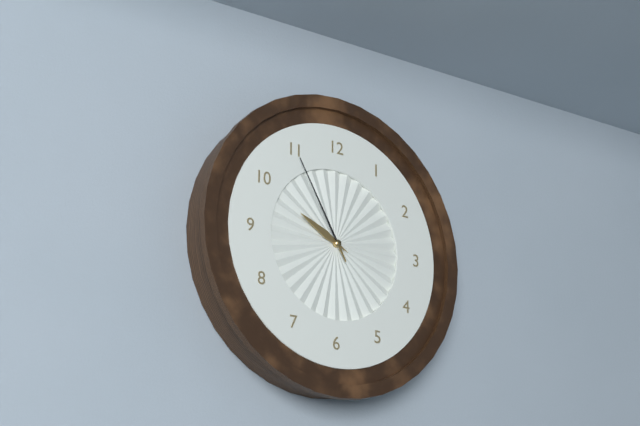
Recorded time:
9h55
